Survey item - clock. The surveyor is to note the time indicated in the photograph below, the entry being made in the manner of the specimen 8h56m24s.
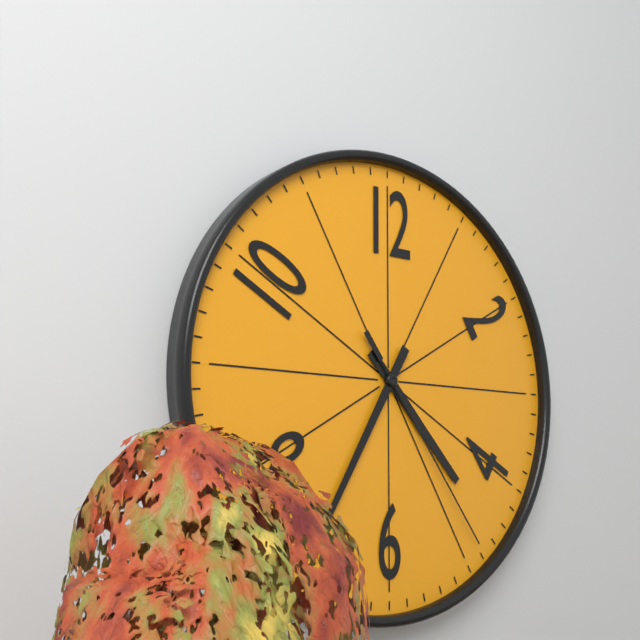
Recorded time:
4h35m24s
